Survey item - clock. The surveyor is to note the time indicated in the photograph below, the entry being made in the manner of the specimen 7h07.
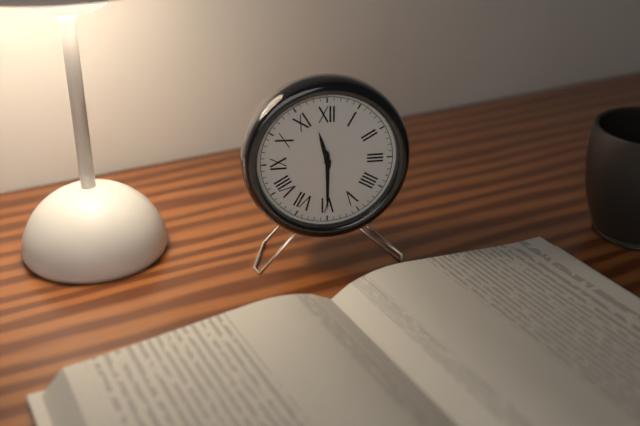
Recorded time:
11h30
